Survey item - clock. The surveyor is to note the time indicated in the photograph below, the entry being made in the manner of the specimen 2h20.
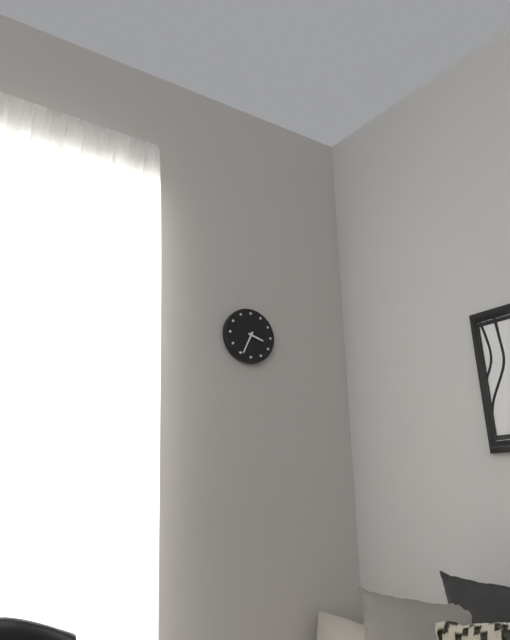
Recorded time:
3h34
